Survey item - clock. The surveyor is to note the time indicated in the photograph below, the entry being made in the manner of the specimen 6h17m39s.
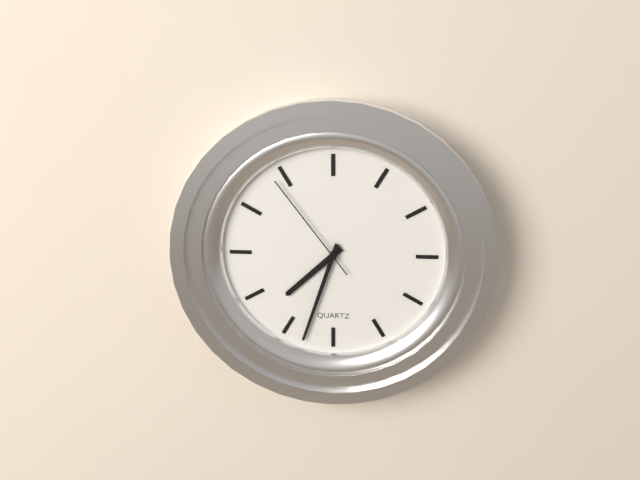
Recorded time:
7h33m54s
